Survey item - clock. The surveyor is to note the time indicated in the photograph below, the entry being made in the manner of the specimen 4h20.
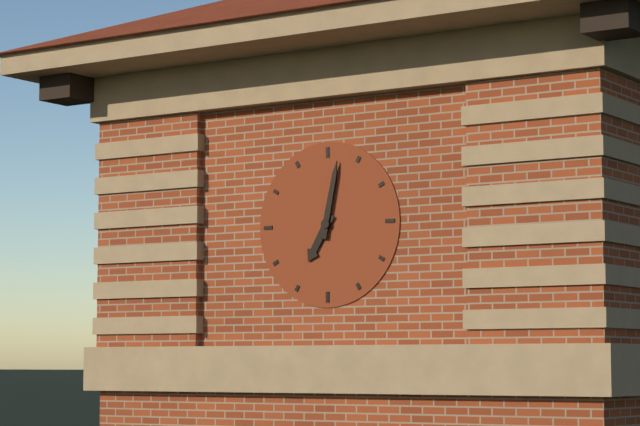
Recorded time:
7h02
